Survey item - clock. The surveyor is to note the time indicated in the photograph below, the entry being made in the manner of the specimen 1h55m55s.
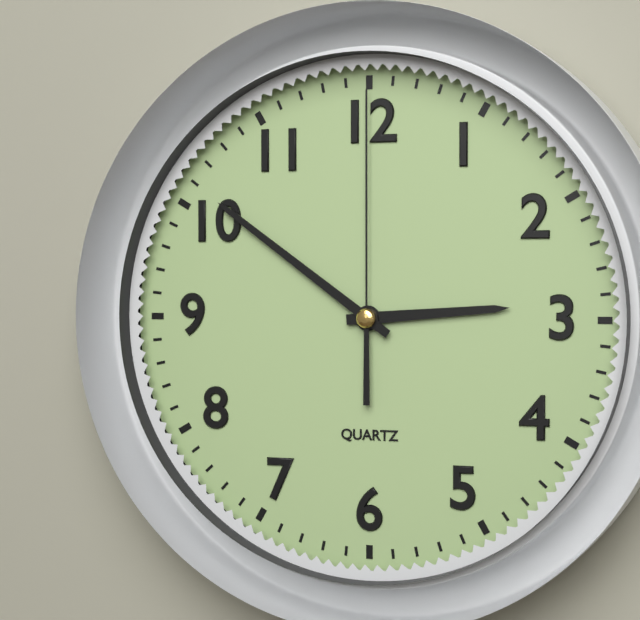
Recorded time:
2h51m00s
